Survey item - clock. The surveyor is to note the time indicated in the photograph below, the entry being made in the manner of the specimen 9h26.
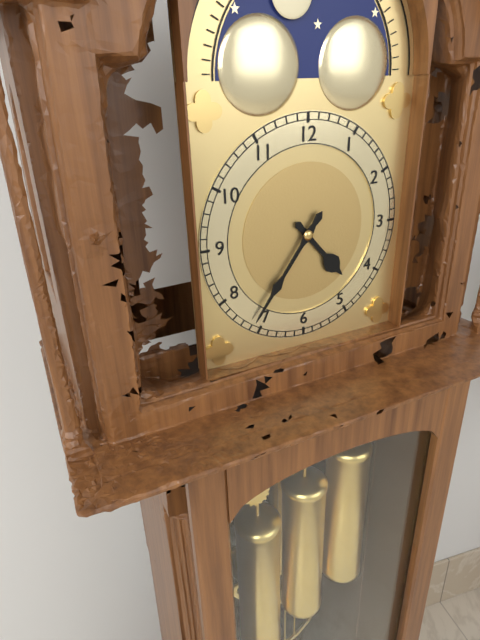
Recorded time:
4h36
